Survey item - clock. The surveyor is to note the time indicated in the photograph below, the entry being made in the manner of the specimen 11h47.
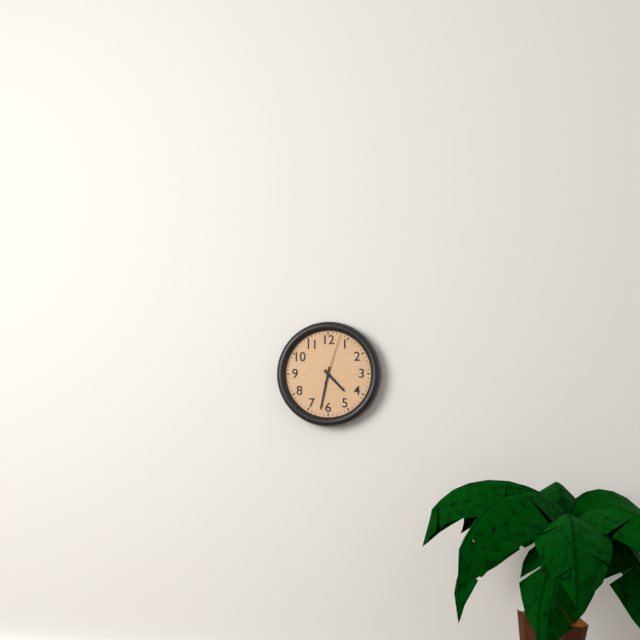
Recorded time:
4h32
